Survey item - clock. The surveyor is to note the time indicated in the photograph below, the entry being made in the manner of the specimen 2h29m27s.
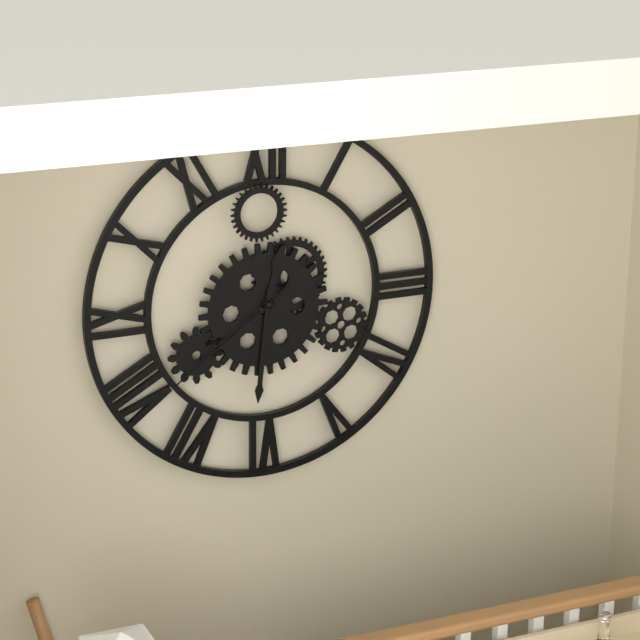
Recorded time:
12h31m39s
